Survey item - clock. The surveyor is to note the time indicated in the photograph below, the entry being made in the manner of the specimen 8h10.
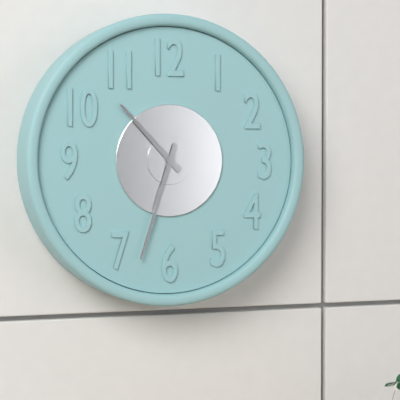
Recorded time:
10h33
